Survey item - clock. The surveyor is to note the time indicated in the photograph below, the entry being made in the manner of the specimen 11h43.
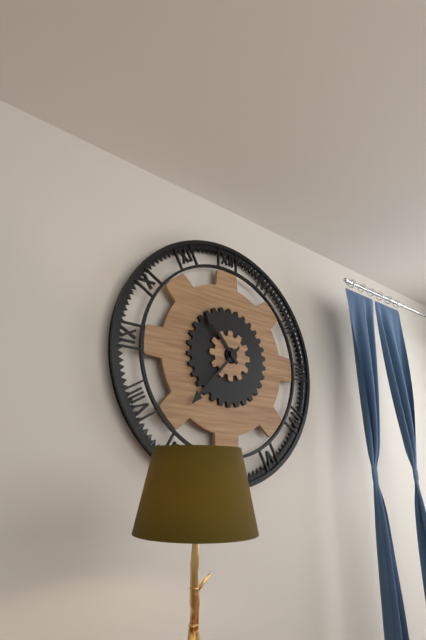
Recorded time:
10h37
